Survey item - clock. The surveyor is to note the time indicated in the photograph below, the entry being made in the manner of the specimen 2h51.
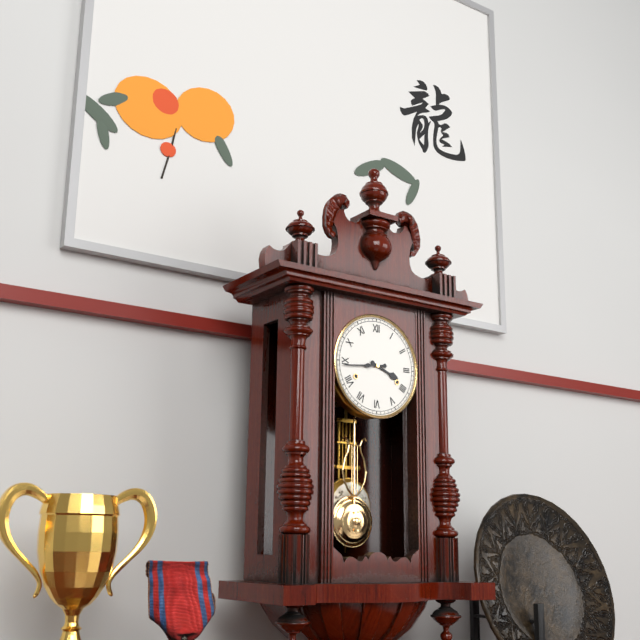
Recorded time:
3h44
